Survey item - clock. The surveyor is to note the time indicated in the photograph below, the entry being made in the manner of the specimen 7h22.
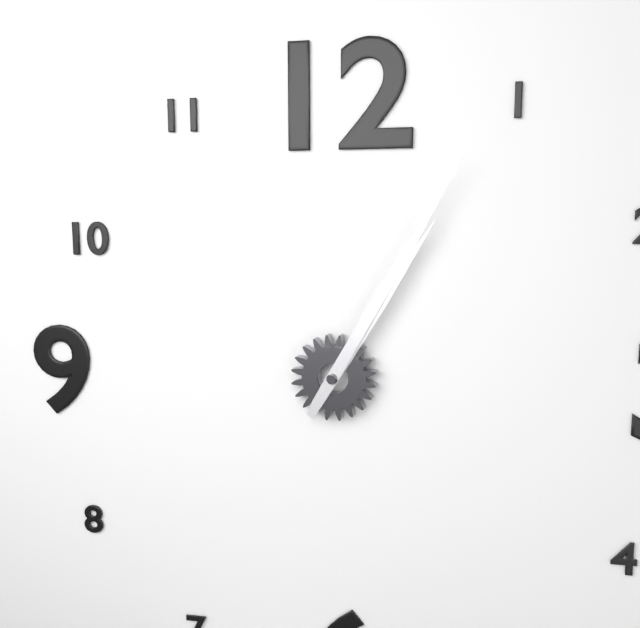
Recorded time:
1h05
